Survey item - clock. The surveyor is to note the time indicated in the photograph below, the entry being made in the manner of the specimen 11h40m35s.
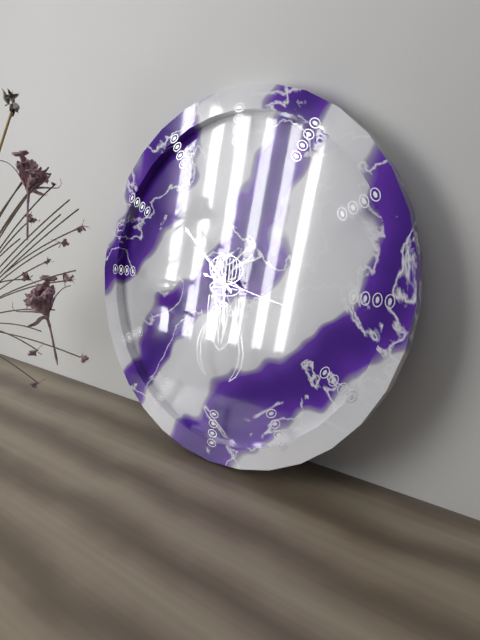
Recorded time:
5h52m17s
